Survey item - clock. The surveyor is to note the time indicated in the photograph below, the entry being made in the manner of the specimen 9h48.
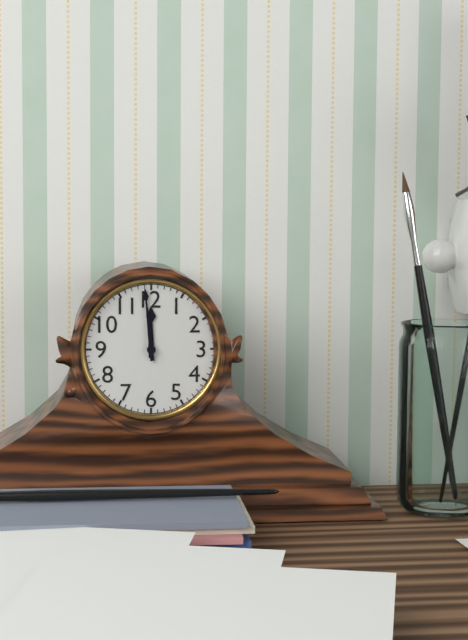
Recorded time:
11h59
